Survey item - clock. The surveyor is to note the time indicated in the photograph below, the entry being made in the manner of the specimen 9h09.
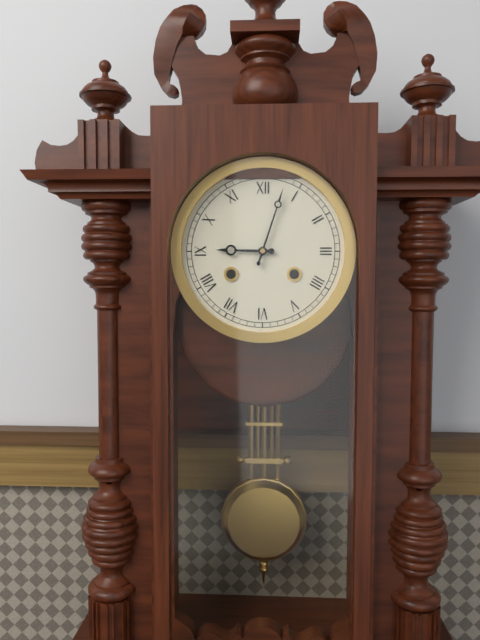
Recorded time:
9h03
